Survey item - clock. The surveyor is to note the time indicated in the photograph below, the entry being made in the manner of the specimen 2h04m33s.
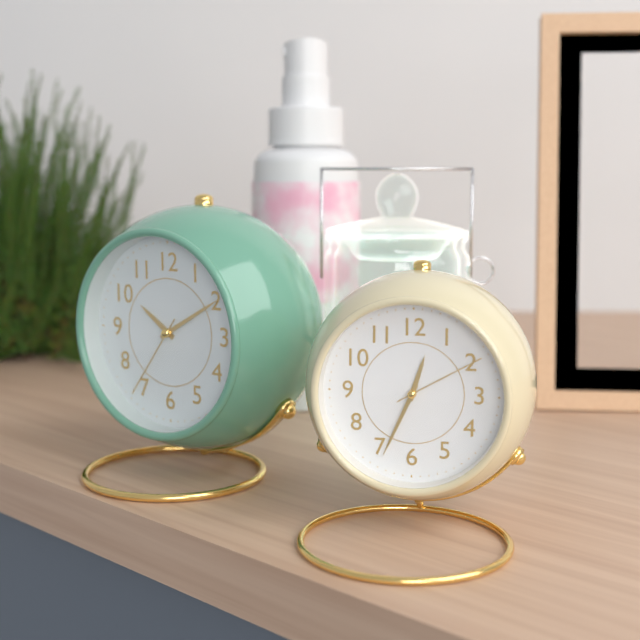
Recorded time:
12h34m10s
